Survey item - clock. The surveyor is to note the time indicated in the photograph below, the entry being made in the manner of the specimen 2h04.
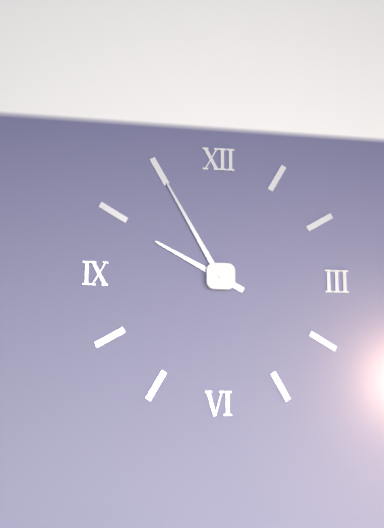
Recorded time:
9h55
